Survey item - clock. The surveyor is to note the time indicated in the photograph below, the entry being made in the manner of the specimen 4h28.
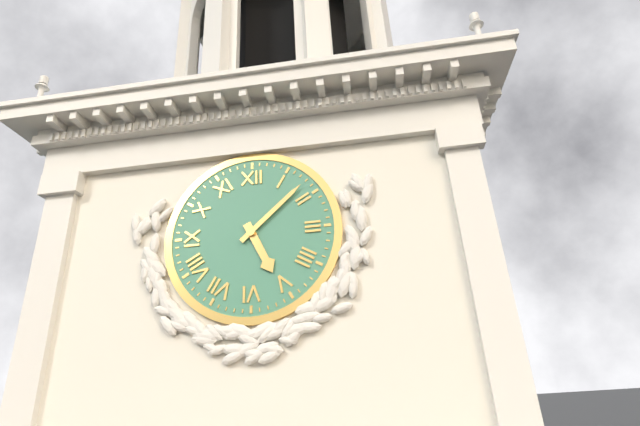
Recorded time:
5h08
